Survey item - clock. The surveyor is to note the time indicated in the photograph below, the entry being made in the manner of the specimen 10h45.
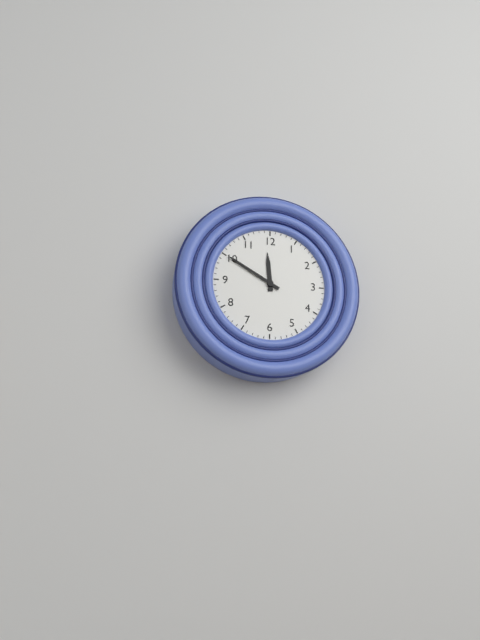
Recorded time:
11h50
